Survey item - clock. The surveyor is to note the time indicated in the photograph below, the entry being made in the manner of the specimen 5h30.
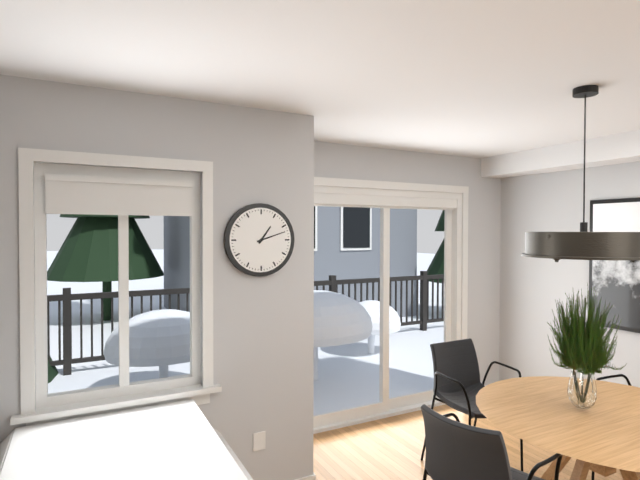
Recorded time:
1h12
